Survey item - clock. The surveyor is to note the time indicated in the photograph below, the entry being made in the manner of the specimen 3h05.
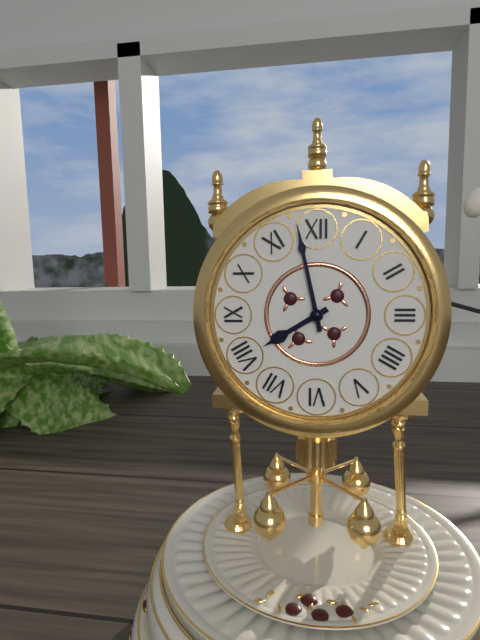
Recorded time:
7h58
